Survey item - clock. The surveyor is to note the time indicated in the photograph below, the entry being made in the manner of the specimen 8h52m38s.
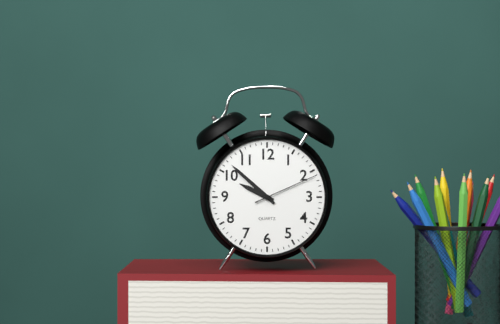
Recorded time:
9h52m11s
